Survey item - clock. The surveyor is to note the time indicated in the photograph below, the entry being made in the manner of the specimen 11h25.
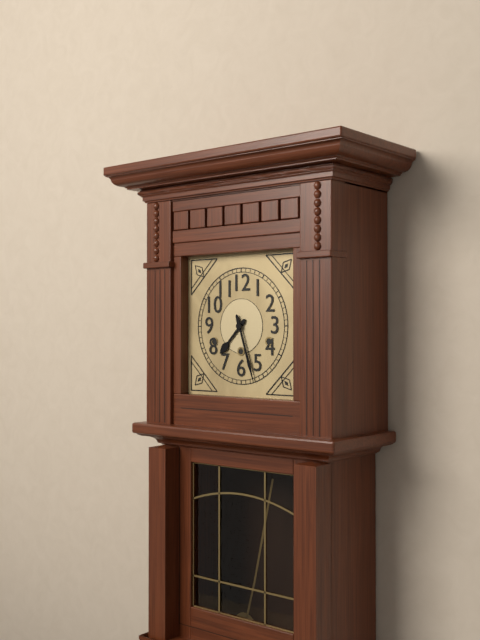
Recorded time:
7h27
